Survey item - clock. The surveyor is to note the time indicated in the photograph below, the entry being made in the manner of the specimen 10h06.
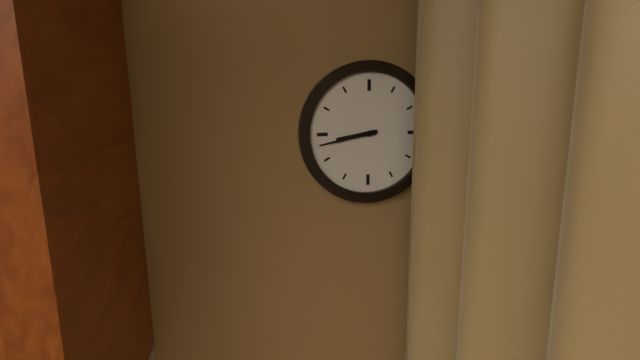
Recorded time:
8h43
